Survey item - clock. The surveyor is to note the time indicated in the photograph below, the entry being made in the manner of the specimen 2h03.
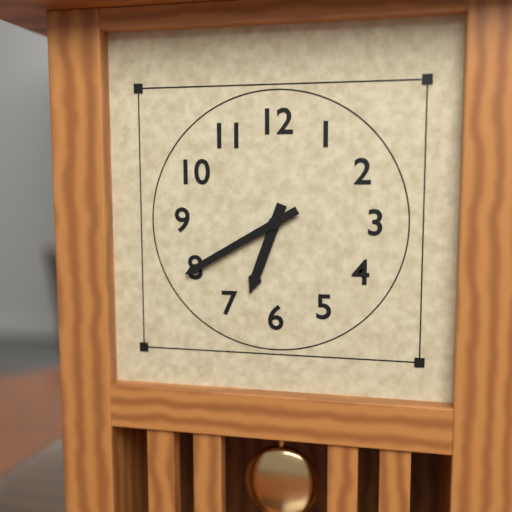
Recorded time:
6h40
